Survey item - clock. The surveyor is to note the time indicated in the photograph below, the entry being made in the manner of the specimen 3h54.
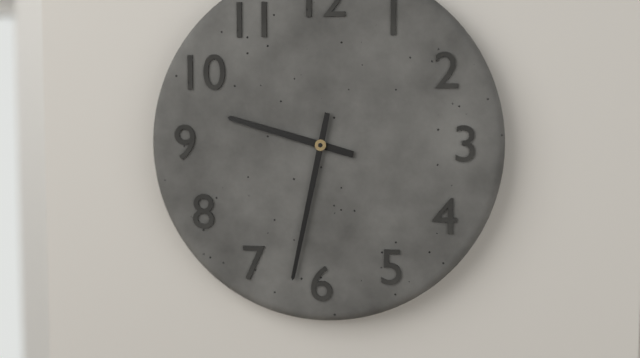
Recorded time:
9h32
